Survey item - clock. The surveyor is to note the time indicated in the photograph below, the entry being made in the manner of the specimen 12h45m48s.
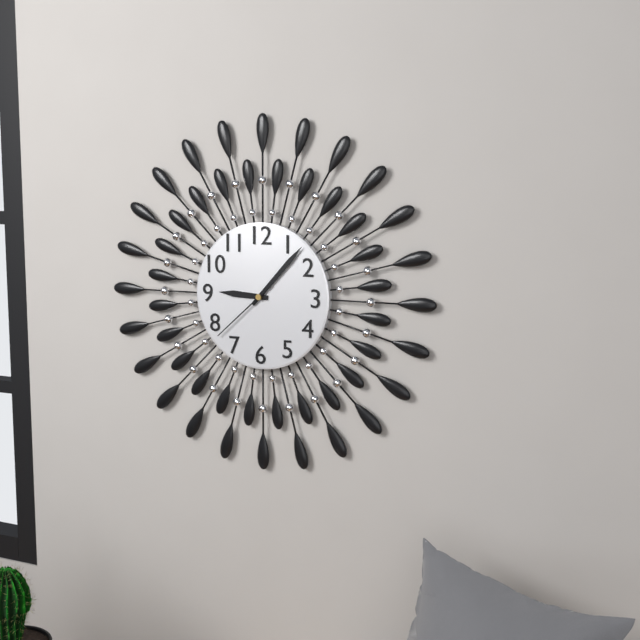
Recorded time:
9h07m38s
